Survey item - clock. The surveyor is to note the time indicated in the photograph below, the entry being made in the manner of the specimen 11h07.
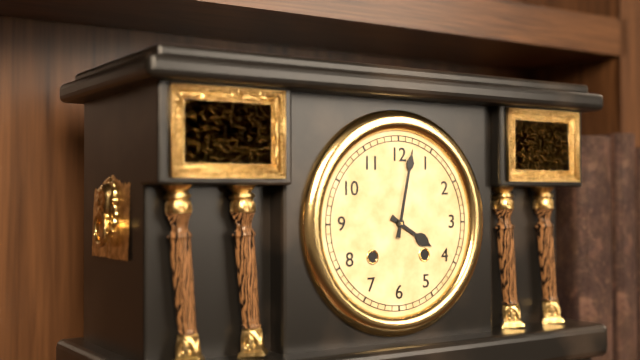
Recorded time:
4h02
